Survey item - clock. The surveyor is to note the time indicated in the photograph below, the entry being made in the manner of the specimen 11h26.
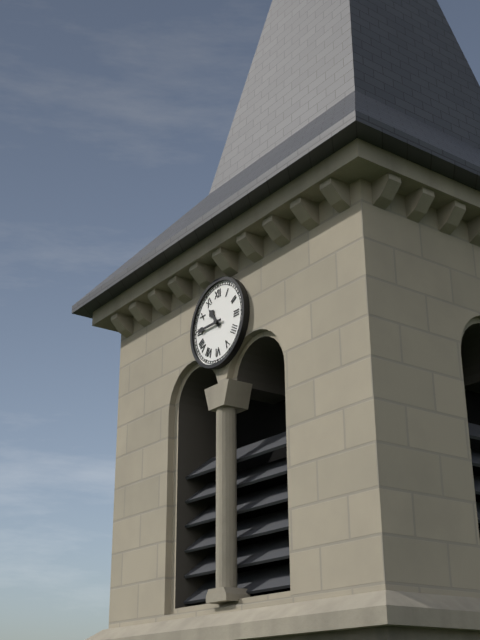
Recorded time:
10h45
